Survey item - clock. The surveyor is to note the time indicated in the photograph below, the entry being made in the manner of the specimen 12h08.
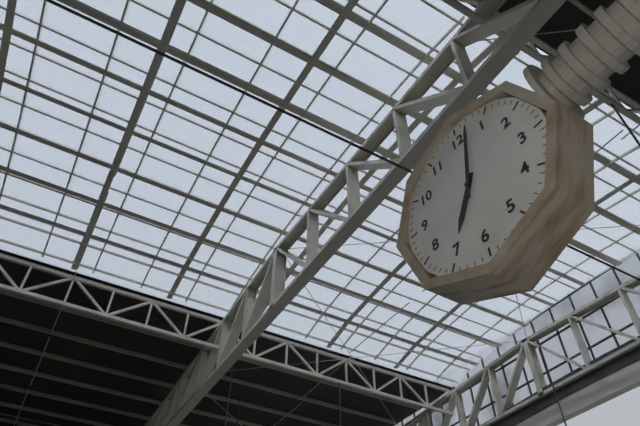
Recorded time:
7h02
